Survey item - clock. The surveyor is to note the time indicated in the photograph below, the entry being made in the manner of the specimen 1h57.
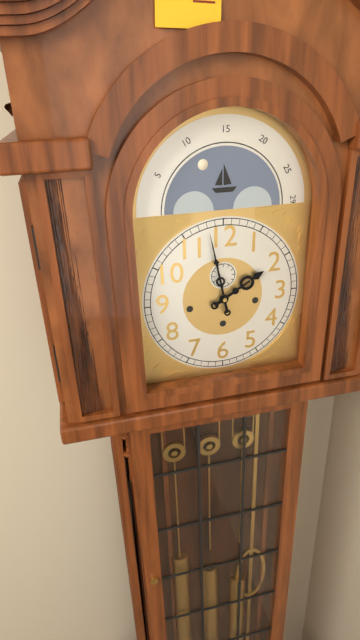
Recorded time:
1h58
